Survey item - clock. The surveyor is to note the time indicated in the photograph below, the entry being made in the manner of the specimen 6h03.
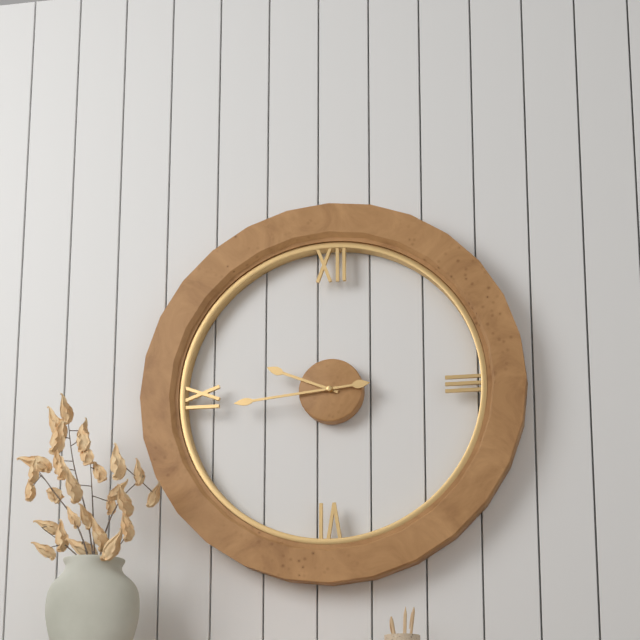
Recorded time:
9h44
